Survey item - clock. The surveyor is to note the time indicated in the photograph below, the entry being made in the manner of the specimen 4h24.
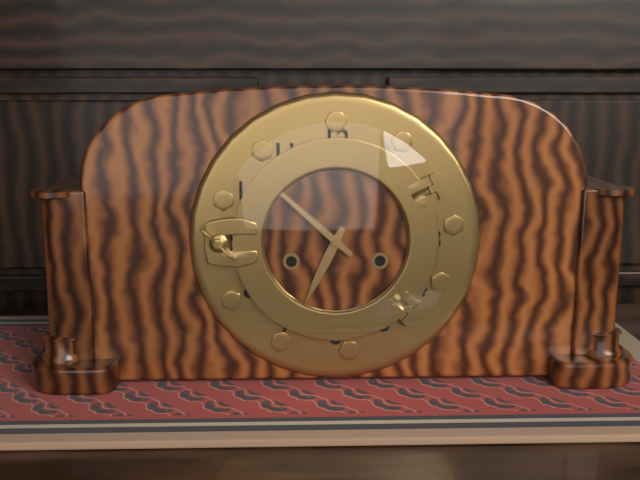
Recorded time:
6h52
